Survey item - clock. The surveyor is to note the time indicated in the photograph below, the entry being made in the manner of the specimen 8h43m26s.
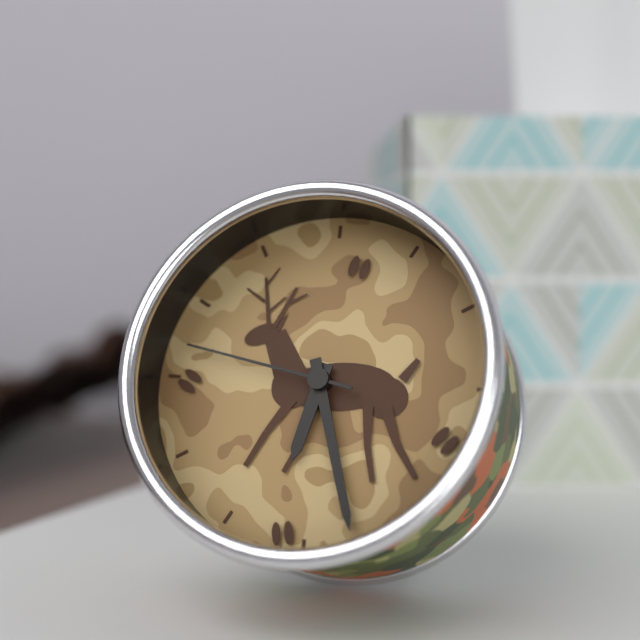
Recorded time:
6h27m47s
